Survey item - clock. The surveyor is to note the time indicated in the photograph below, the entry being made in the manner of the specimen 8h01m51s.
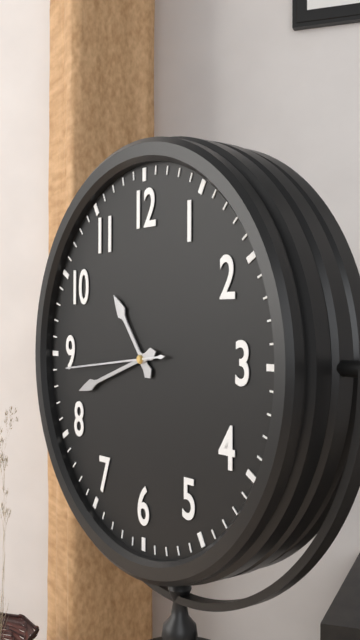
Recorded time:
10h42m44s
